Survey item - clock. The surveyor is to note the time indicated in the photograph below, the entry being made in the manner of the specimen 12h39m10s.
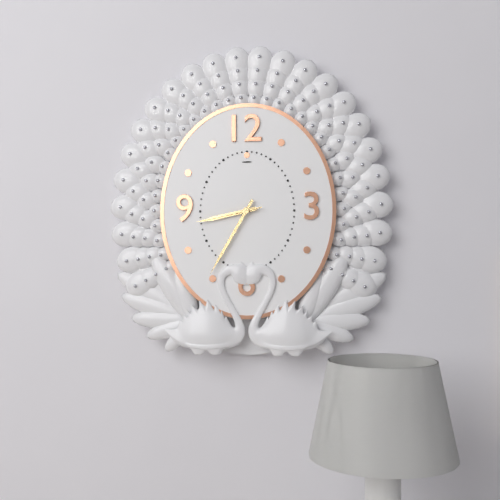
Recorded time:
8h35m43s
